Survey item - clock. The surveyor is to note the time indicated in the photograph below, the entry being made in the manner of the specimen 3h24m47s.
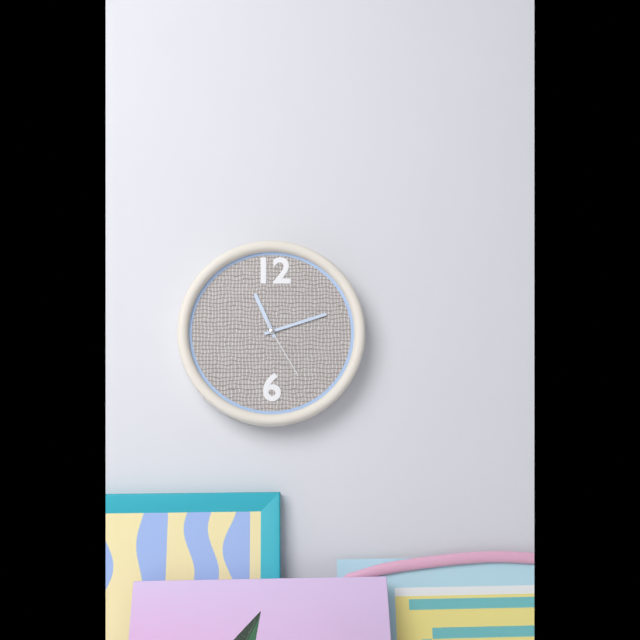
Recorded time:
11h12m25s
